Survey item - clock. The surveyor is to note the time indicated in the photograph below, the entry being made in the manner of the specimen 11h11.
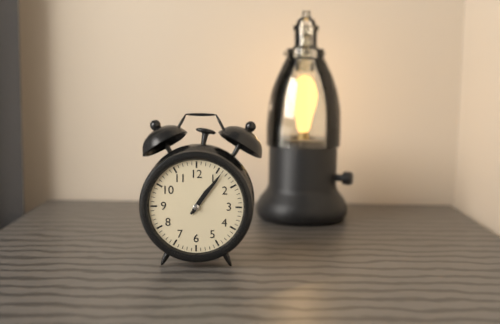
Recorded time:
1h06
